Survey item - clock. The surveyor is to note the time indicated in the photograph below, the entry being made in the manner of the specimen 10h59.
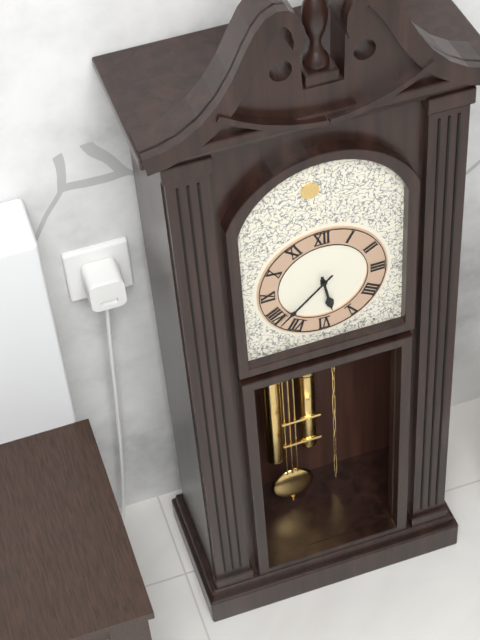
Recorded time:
5h38
